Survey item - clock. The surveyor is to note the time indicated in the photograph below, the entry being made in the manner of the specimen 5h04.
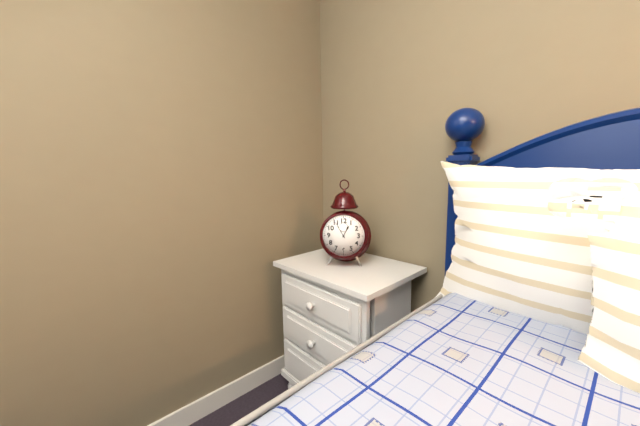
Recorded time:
12h55
